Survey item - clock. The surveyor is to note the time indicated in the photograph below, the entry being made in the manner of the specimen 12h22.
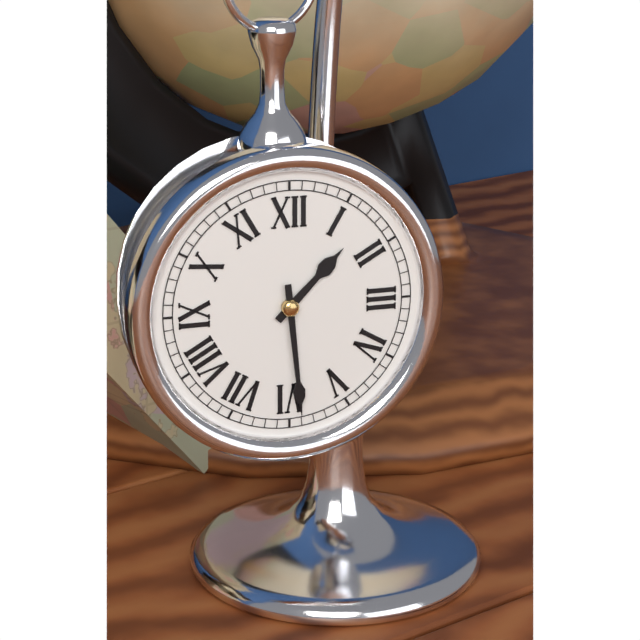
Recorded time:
1h29
